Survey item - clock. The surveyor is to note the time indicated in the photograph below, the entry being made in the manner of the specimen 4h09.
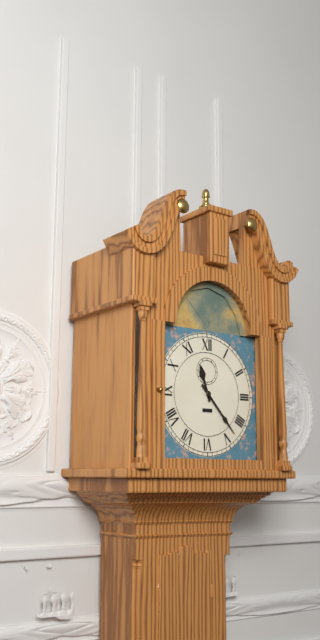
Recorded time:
11h23
